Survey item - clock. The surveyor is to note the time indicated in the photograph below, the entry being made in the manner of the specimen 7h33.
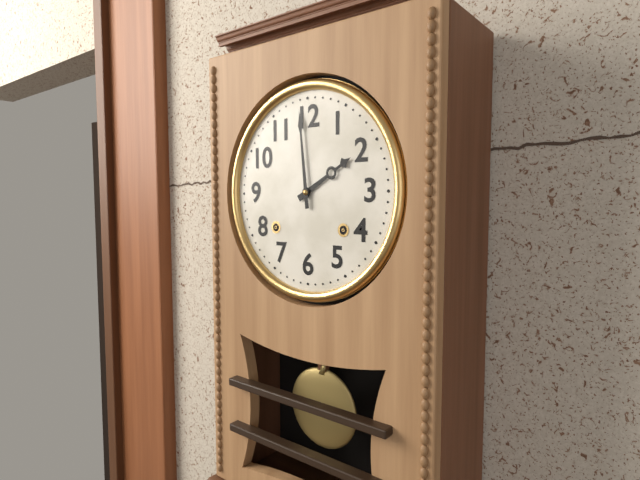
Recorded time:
1h59
